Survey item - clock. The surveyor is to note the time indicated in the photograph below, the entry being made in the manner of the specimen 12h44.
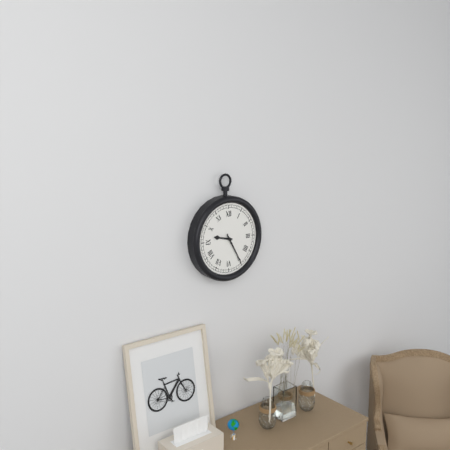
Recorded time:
9h25
